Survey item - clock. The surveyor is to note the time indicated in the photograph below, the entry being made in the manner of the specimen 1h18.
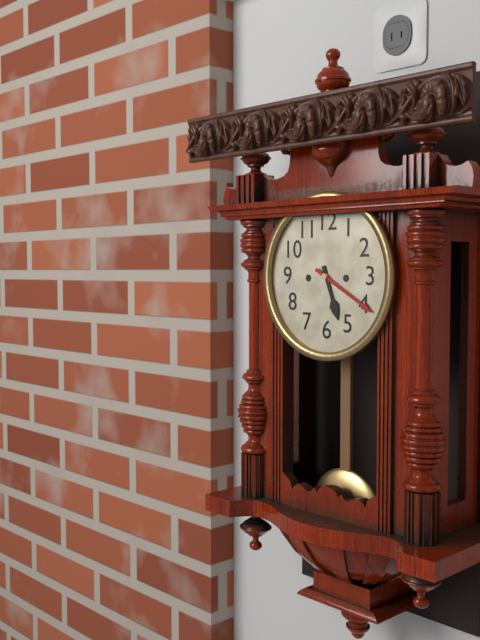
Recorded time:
5h20
